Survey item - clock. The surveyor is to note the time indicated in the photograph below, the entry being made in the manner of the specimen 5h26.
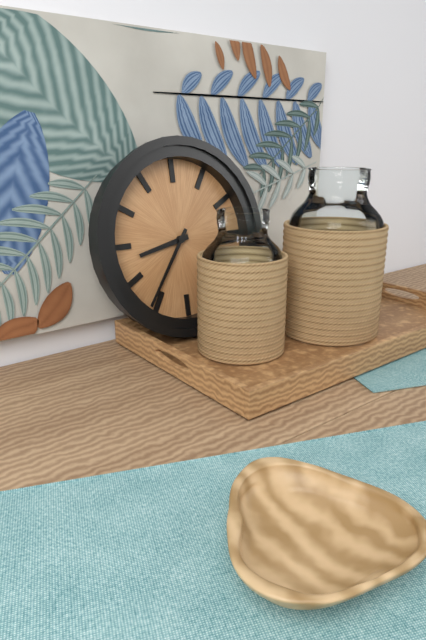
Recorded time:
8h36
